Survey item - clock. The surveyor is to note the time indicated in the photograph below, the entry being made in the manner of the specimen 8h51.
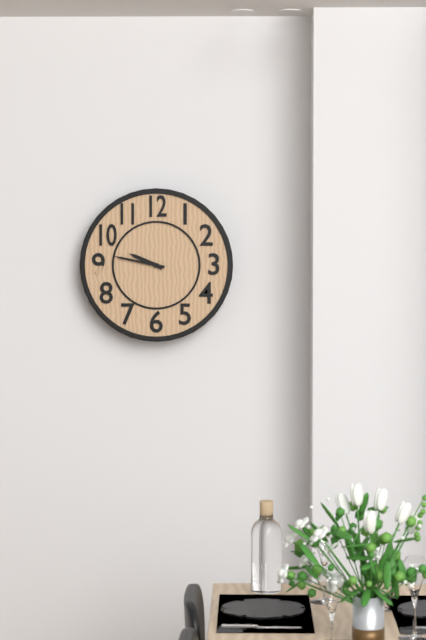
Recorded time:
9h47
